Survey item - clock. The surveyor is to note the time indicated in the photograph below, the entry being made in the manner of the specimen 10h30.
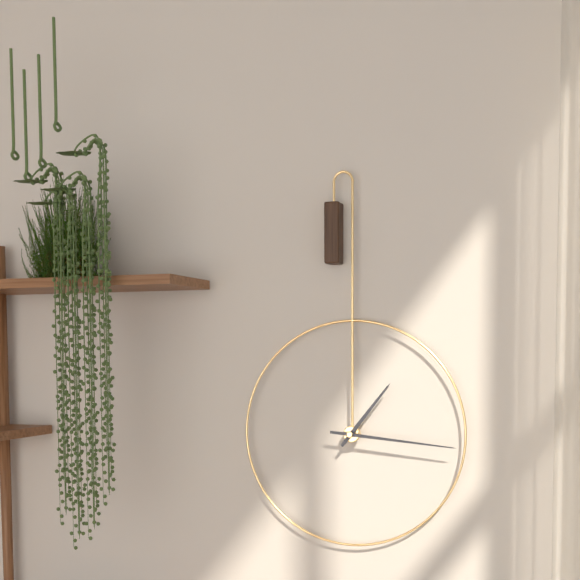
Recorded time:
1h16
